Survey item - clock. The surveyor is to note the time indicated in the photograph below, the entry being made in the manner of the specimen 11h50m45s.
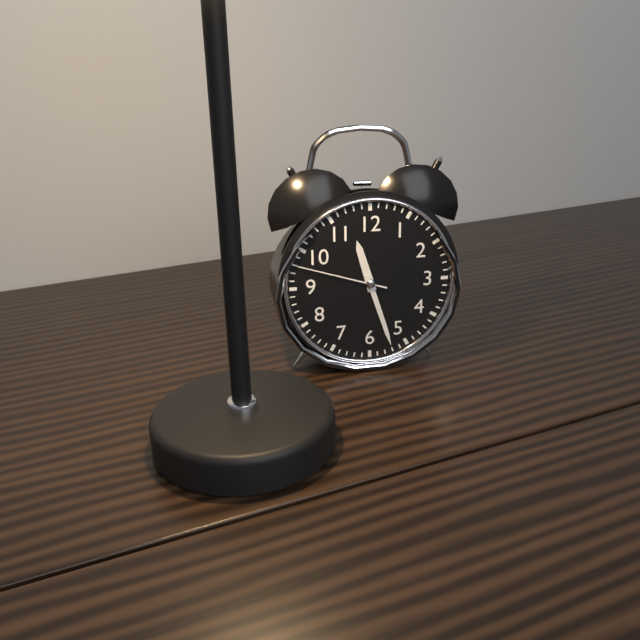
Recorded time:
11h27m48s
